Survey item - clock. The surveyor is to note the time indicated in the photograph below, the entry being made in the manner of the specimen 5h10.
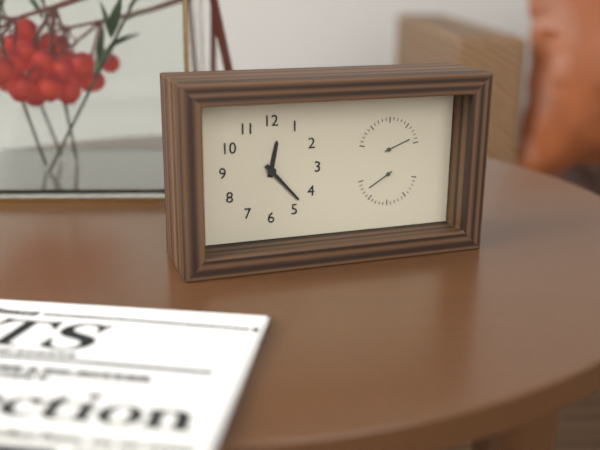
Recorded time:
12h23
